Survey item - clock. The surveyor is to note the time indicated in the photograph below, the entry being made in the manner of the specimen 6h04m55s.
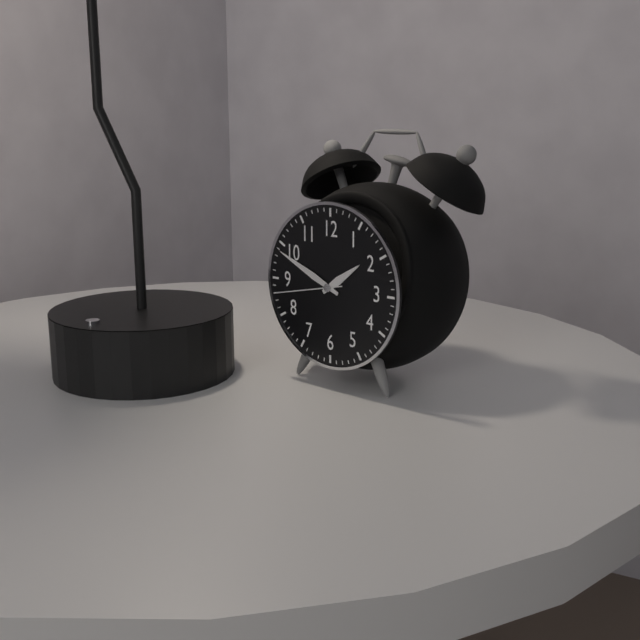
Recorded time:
1h49m43s
